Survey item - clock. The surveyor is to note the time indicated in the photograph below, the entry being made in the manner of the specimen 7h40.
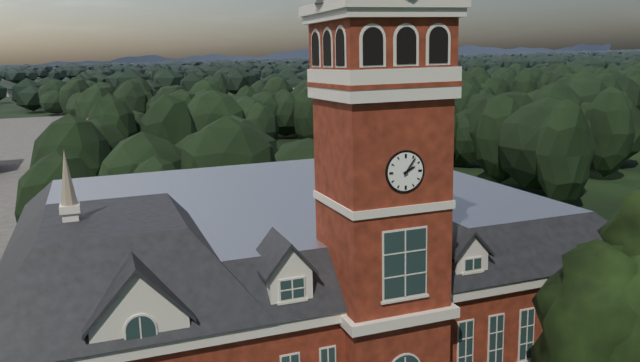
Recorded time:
2h06
